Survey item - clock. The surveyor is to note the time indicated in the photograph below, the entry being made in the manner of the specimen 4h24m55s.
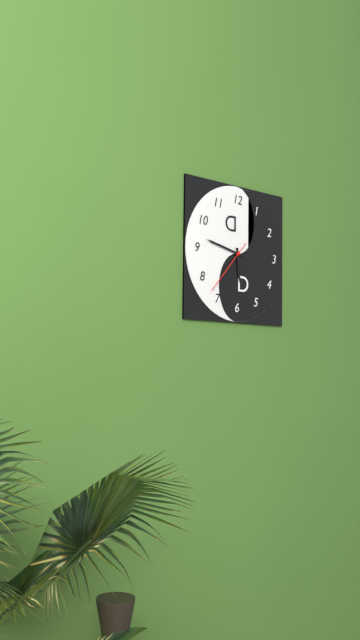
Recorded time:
5h47m37s
